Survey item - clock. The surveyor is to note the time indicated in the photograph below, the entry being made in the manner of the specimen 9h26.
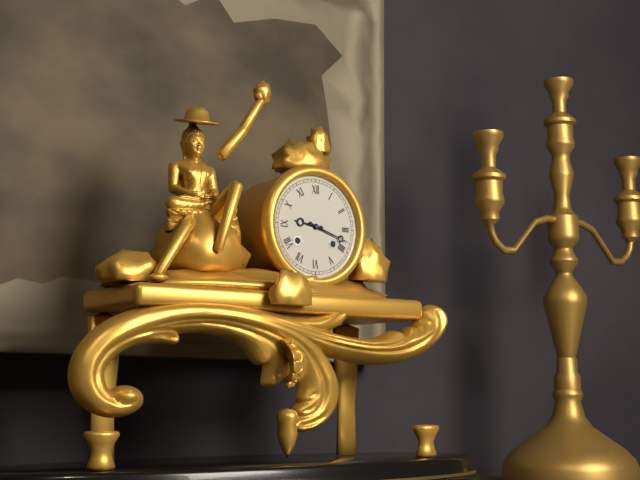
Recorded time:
9h18
